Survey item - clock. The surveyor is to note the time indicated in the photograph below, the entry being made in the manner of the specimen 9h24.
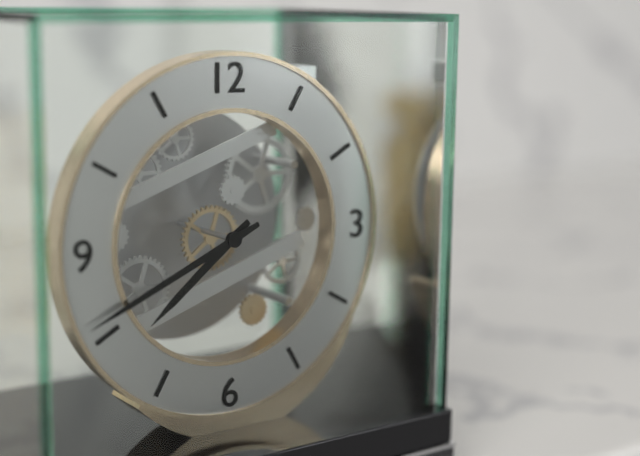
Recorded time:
7h41
